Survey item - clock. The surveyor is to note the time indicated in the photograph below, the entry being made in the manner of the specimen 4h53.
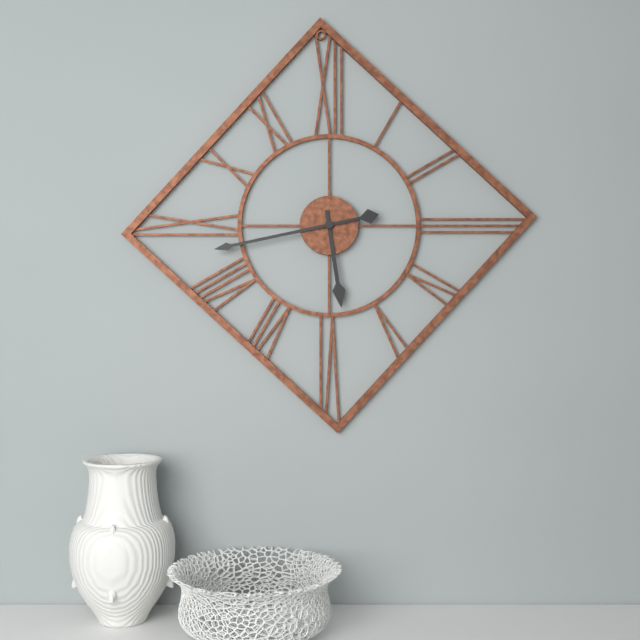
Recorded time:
5h43
